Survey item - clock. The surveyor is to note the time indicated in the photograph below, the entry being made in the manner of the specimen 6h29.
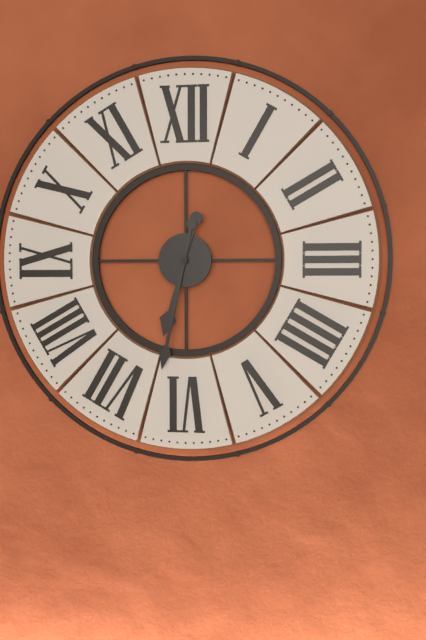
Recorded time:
6h32
